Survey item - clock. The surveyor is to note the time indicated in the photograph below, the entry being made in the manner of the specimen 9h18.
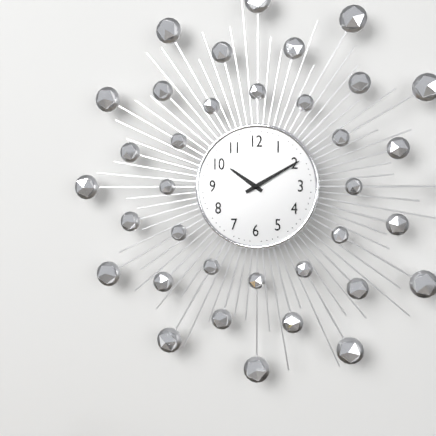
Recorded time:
10h10
